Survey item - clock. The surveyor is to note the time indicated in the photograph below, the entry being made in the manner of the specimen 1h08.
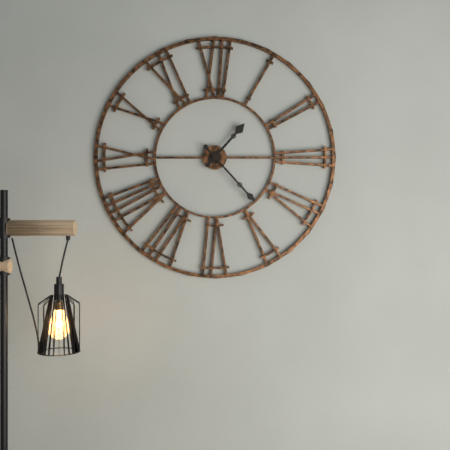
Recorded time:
1h23
